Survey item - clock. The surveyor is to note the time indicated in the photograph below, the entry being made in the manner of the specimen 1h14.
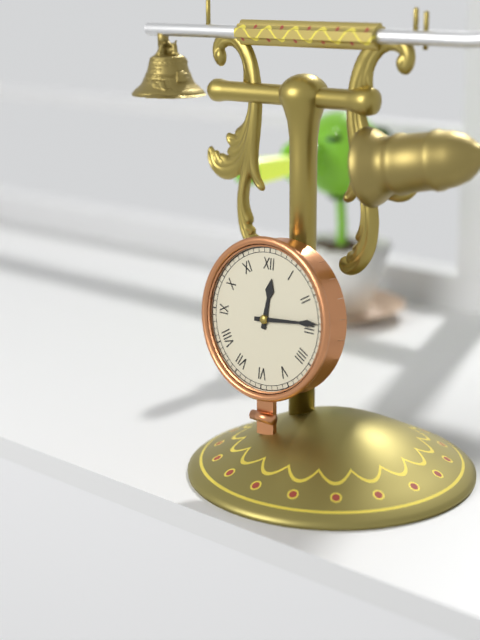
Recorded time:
12h14
